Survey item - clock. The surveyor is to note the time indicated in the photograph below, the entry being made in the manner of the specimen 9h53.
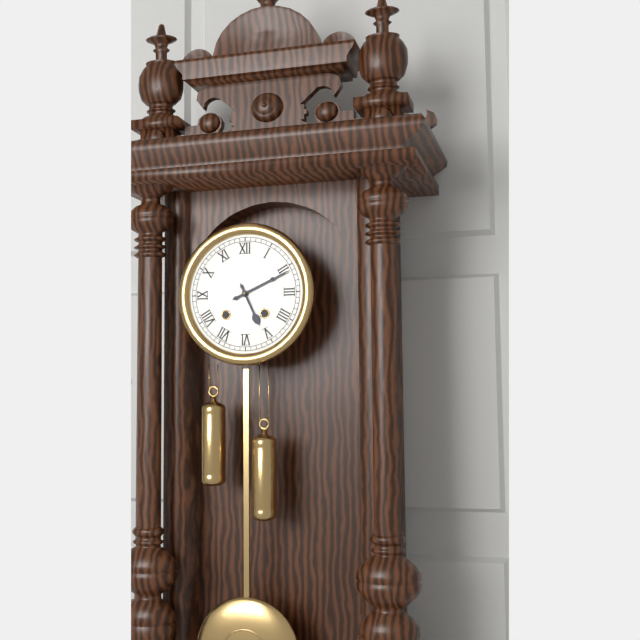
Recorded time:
5h11
